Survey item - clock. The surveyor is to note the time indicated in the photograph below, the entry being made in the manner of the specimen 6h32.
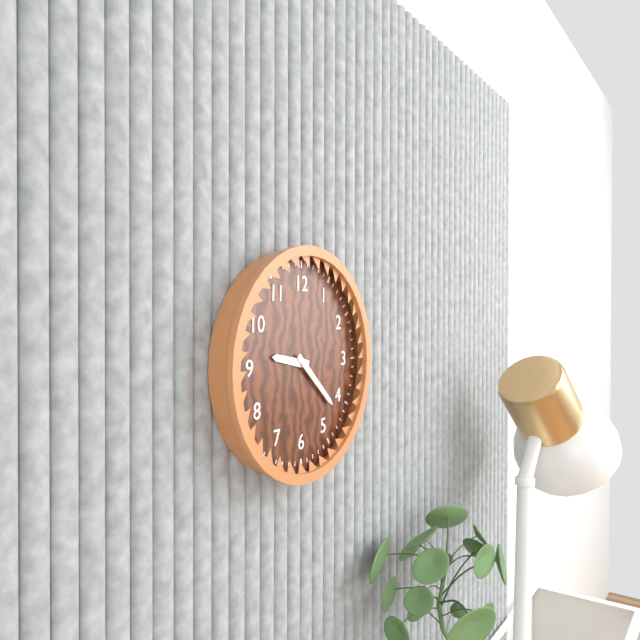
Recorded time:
9h22
